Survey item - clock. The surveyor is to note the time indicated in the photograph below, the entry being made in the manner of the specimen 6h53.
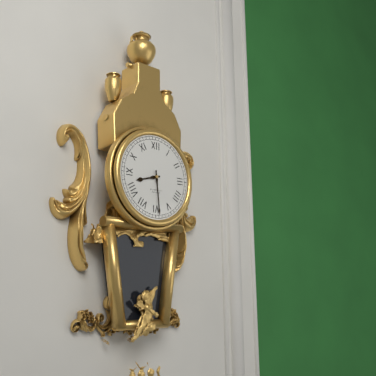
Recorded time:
8h29
